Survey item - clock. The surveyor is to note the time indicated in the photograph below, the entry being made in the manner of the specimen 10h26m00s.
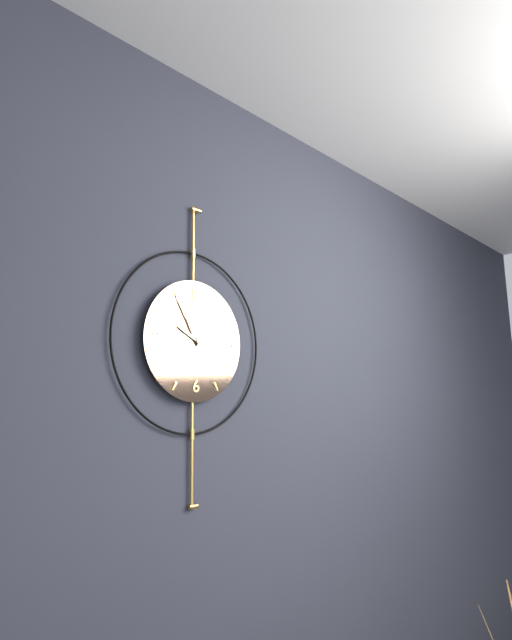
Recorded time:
9h55m56s
